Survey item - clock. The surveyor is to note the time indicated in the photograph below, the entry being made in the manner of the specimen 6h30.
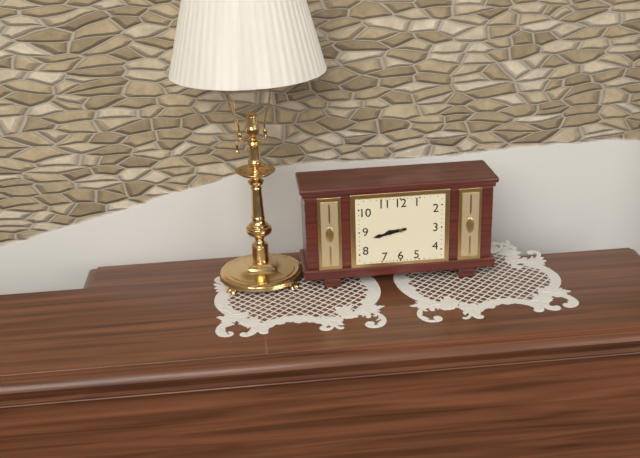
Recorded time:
8h43
